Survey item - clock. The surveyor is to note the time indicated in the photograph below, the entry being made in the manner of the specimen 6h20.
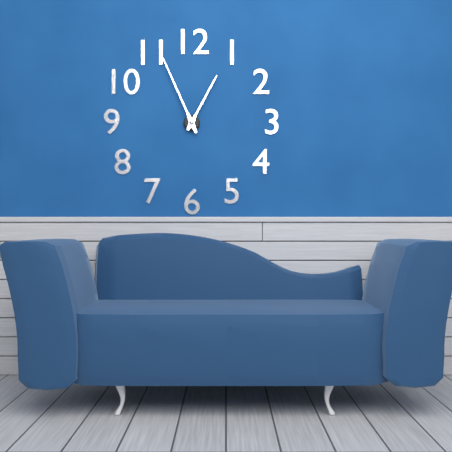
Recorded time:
12h56
